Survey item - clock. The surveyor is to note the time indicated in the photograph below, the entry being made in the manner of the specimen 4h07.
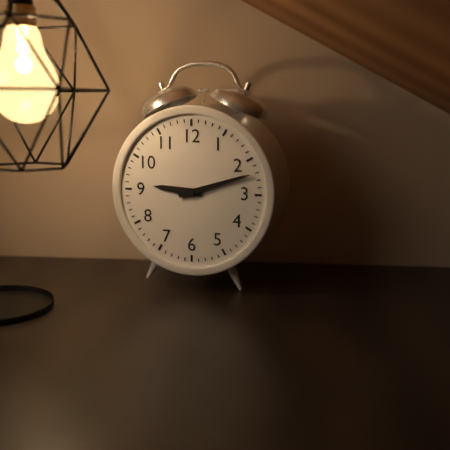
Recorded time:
9h12
